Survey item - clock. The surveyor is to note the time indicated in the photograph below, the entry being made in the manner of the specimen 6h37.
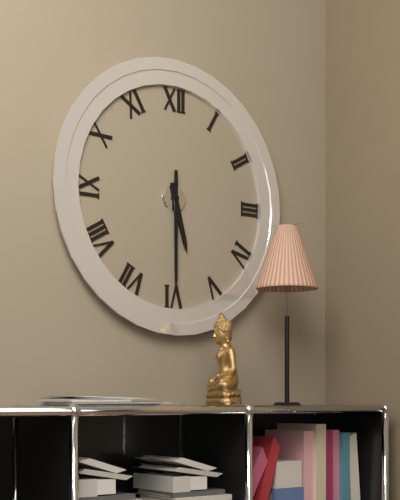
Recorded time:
5h30
